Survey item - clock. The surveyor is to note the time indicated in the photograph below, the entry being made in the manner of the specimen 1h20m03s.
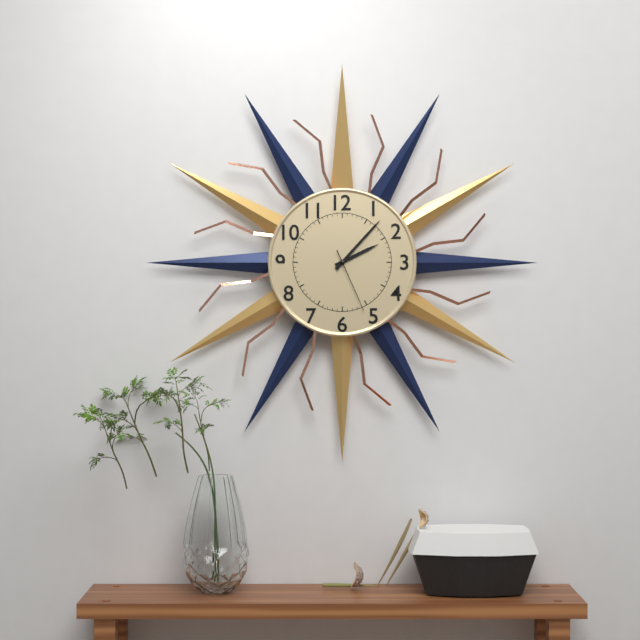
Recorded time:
2h07m26s
